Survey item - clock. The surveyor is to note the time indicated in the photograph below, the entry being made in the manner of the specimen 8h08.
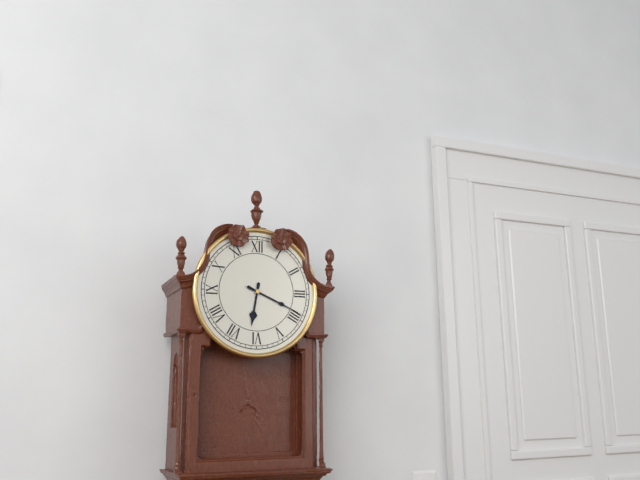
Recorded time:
6h19
